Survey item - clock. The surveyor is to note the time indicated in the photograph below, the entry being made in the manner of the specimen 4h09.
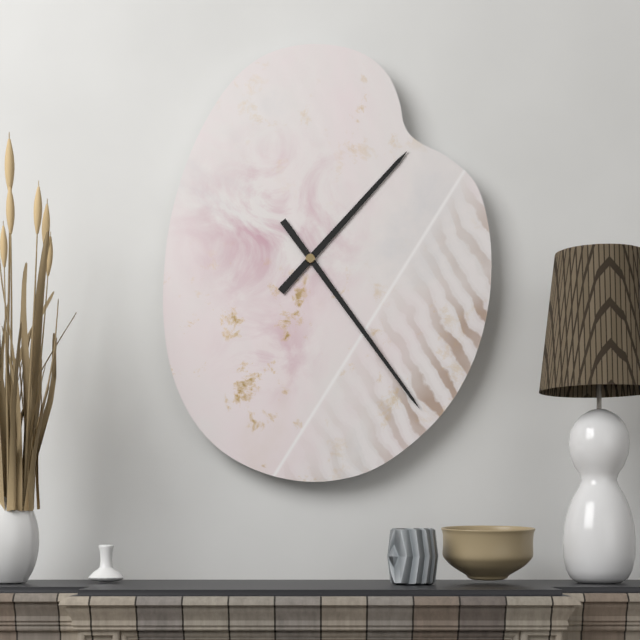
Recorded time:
1h24
